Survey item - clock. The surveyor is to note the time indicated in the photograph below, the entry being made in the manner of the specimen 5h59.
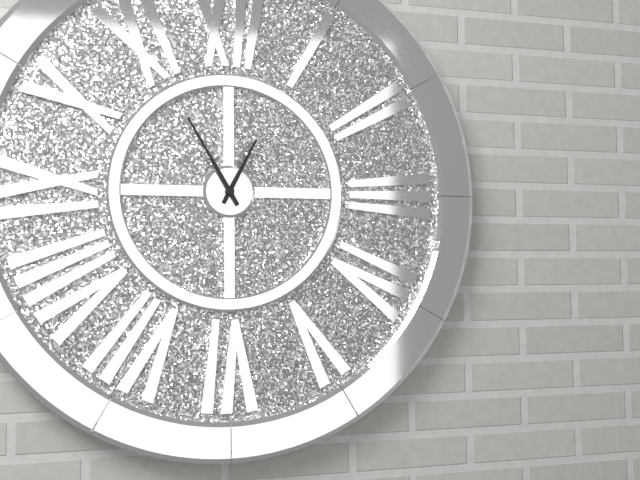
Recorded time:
12h55
